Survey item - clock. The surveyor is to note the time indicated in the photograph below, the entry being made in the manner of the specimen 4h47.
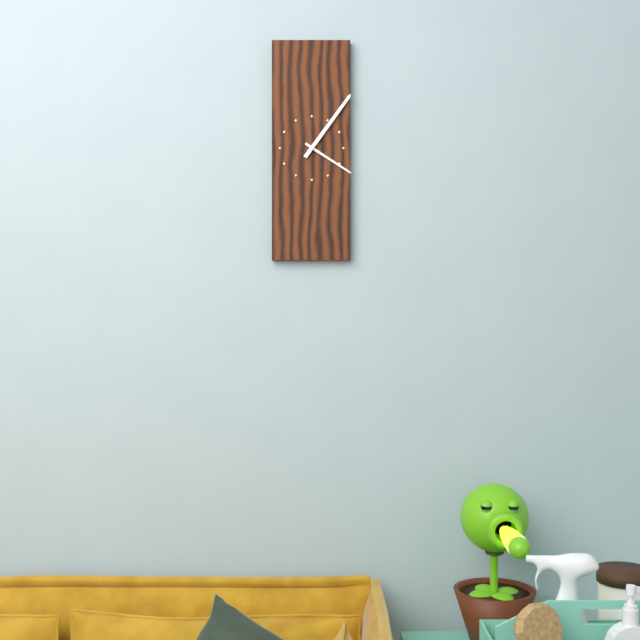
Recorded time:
4h06
